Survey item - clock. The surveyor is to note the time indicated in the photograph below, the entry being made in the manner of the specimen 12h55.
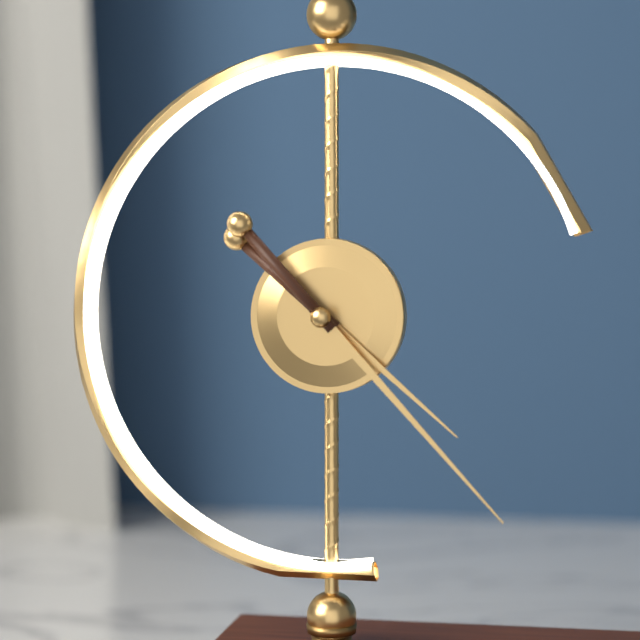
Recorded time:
4h23
